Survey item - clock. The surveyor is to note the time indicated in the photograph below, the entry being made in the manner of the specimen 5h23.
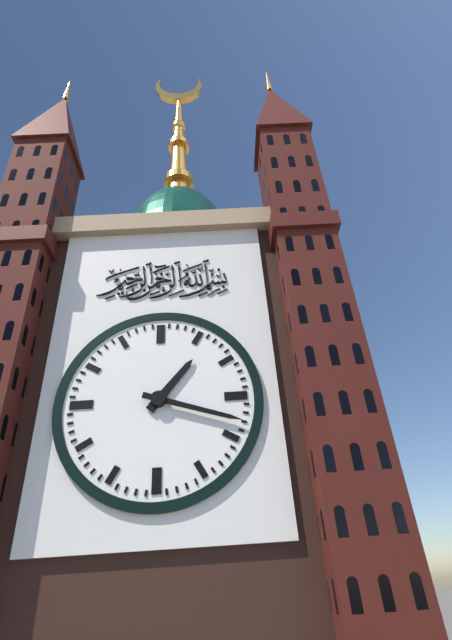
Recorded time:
1h18
